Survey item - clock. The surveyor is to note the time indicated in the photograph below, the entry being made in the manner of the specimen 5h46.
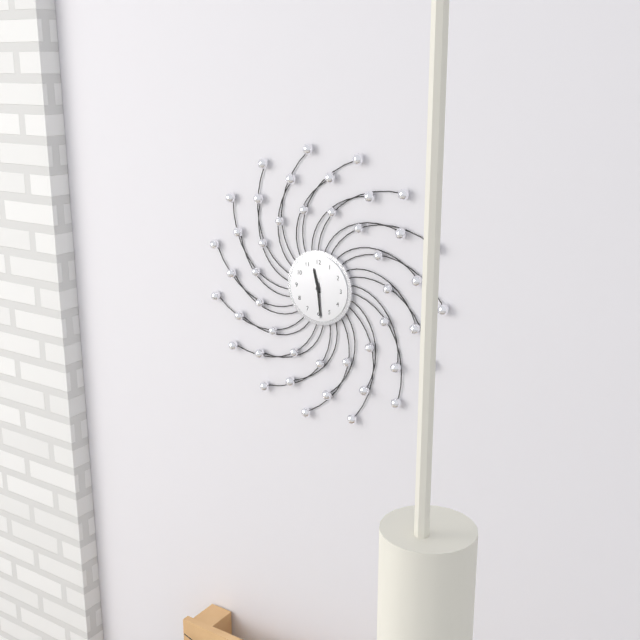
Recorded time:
11h29
